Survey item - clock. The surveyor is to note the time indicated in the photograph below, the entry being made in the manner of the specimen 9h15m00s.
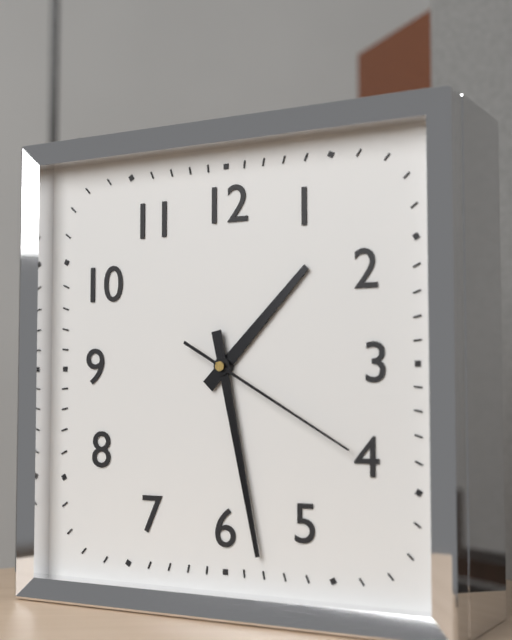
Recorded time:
1h28m20s
